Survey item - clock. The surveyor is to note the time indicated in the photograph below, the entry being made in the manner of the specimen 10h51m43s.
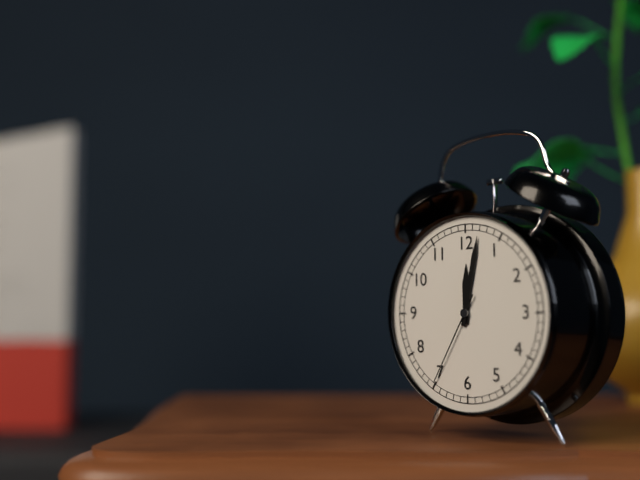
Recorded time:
12h02m35s
